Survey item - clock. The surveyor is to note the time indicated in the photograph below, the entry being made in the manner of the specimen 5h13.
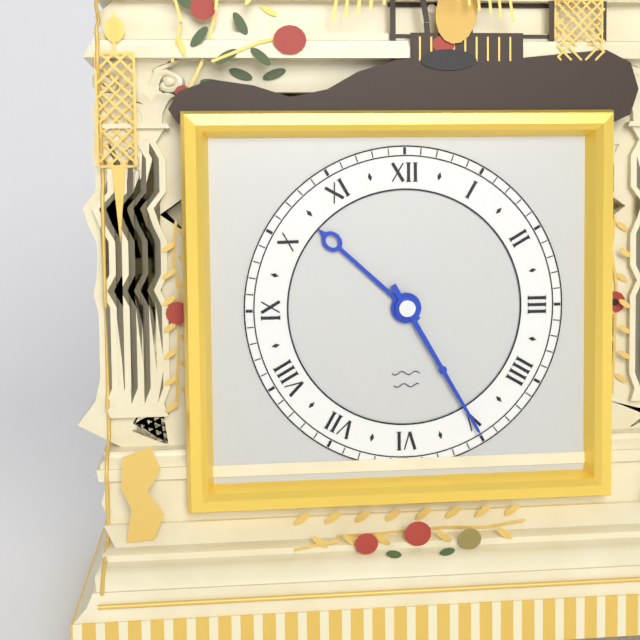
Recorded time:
10h25
